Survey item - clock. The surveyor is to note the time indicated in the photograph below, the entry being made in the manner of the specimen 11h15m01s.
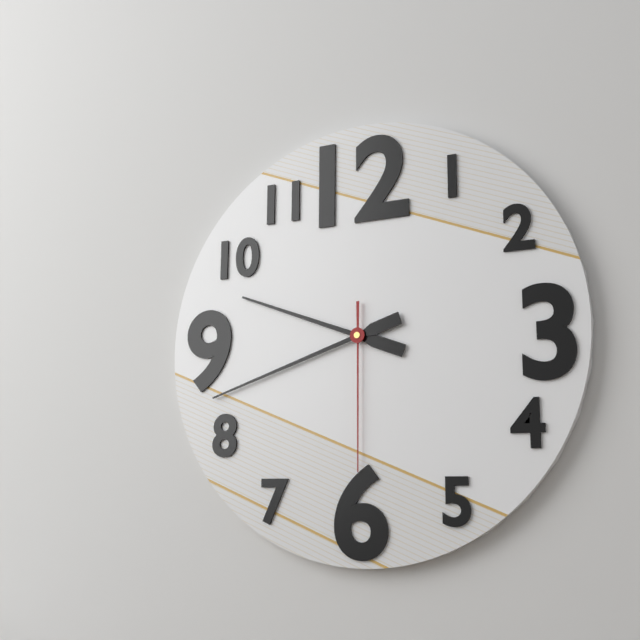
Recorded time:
9h42m30s
